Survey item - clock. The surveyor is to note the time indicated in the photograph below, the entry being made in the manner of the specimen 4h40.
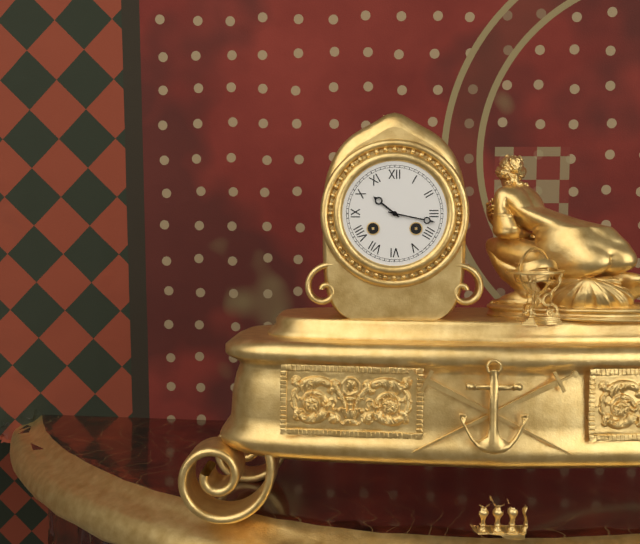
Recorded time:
10h17
